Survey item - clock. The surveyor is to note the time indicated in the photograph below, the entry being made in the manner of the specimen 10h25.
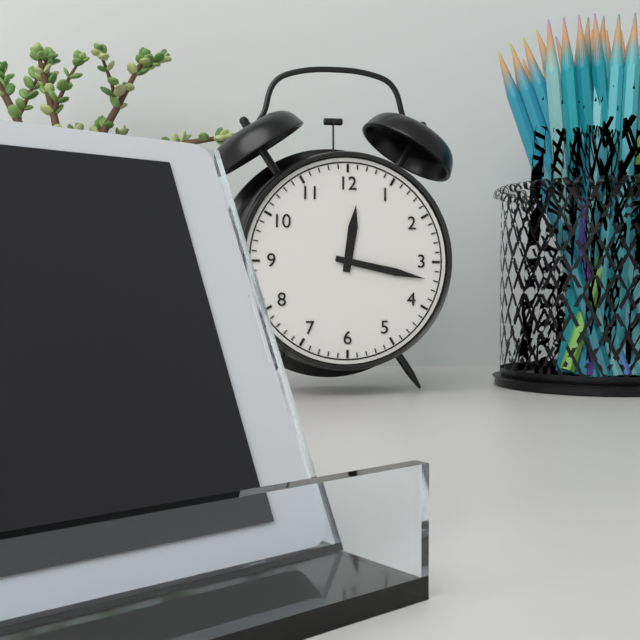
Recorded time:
12h17
